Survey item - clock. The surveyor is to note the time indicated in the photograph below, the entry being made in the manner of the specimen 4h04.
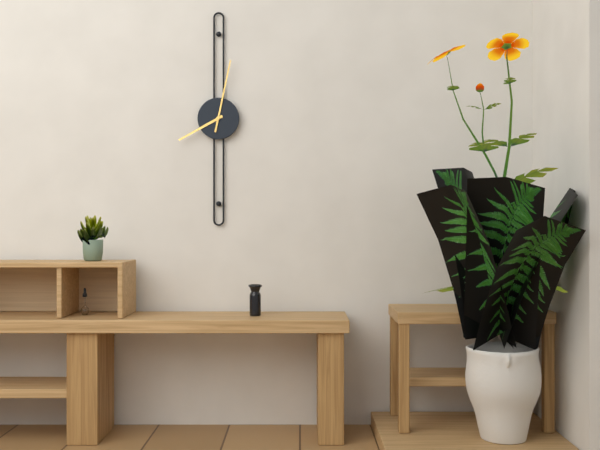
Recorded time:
8h02
